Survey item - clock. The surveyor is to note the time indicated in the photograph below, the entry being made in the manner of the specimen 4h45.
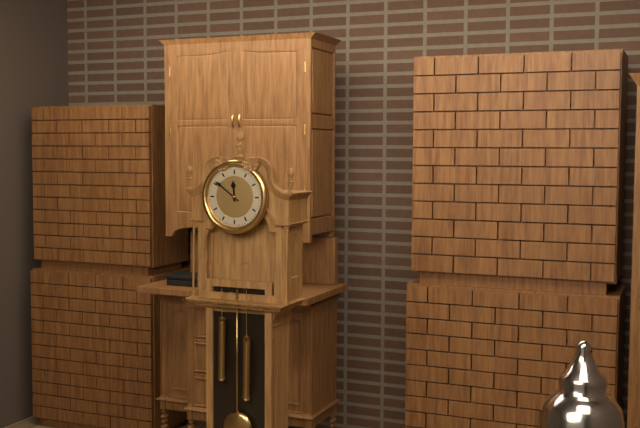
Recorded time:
11h51
